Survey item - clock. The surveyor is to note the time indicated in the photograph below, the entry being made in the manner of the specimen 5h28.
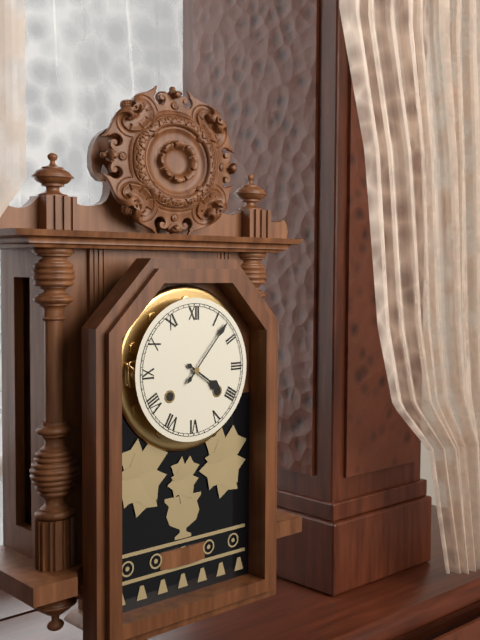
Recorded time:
4h07
